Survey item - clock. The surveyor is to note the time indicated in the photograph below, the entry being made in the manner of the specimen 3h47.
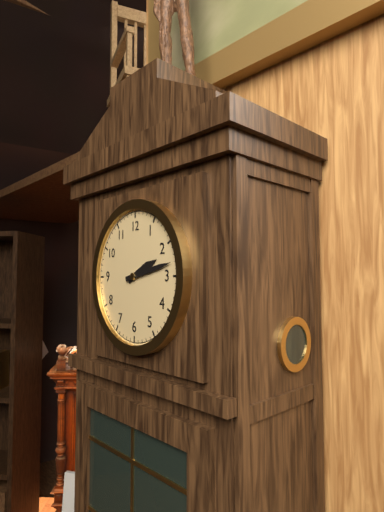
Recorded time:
2h13
